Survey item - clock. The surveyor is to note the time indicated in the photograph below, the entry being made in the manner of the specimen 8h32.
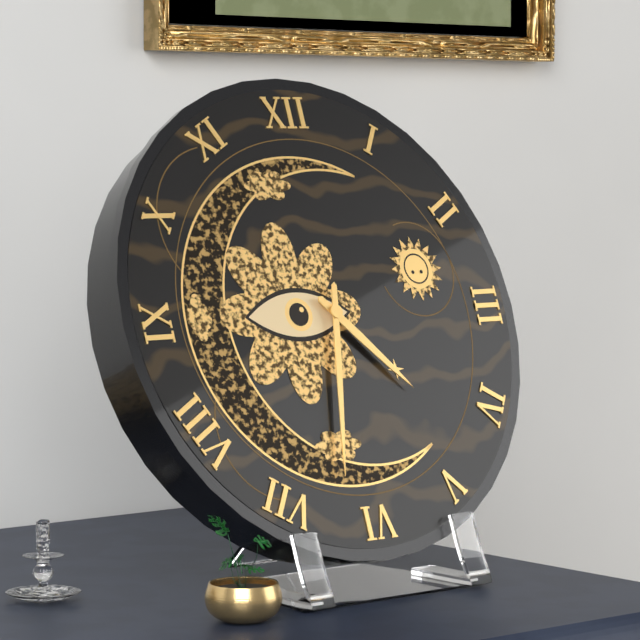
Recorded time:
4h32
